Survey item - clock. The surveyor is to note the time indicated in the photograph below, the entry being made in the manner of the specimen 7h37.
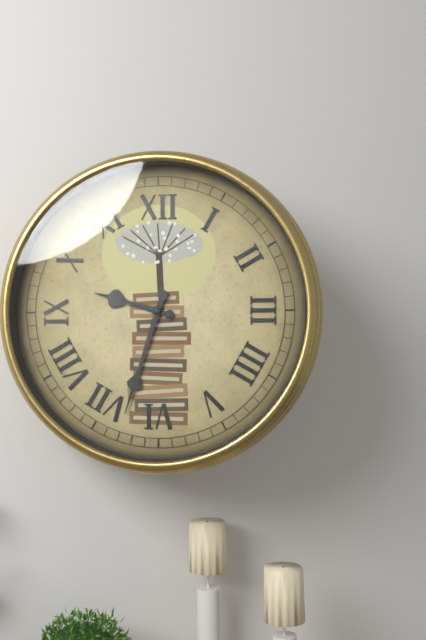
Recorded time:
9h33
